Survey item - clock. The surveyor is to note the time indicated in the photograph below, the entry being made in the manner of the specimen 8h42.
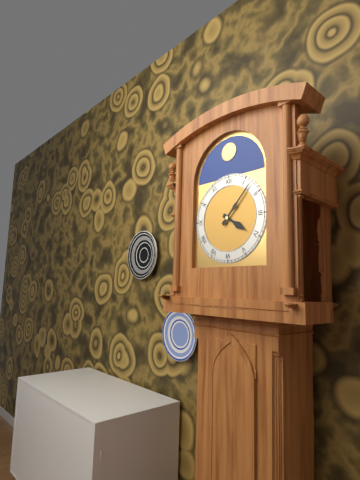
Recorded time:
4h07
